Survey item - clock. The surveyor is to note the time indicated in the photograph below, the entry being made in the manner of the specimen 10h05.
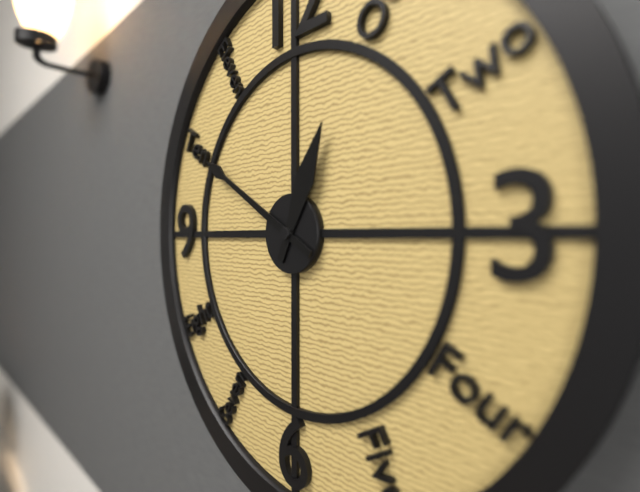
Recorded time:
12h50
